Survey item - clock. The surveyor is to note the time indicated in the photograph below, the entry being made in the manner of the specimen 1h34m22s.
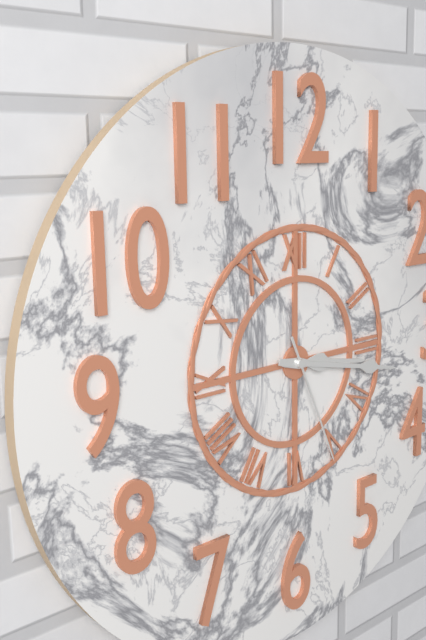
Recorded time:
3h17m26s
